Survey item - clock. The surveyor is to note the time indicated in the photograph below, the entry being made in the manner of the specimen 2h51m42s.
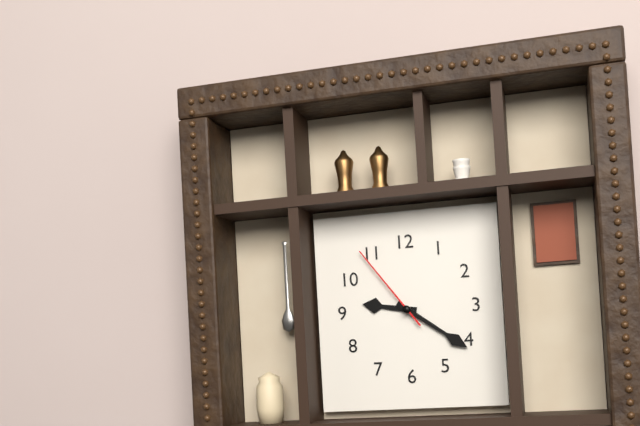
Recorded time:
9h21m54s
